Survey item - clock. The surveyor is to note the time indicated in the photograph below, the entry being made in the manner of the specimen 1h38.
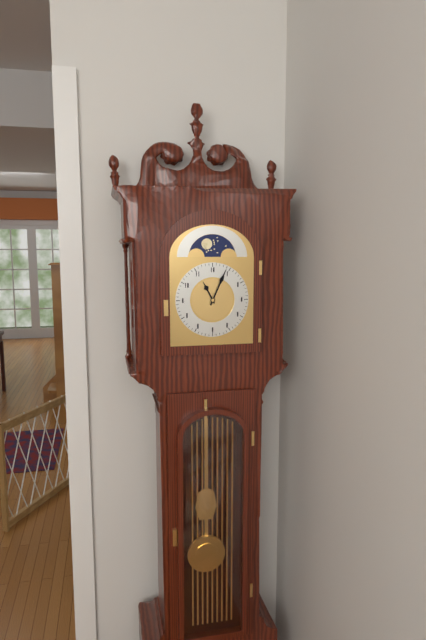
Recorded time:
11h04
